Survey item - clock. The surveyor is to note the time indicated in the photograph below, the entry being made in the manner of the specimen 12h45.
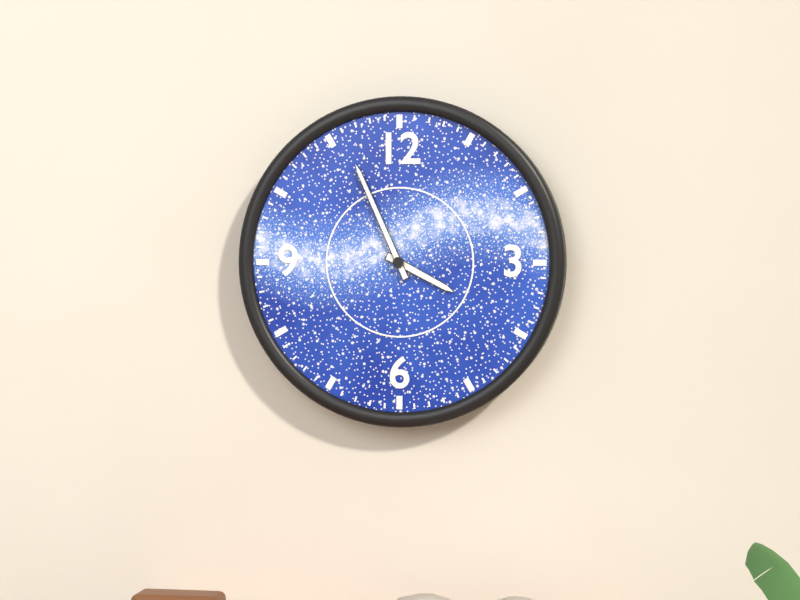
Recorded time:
3h56
